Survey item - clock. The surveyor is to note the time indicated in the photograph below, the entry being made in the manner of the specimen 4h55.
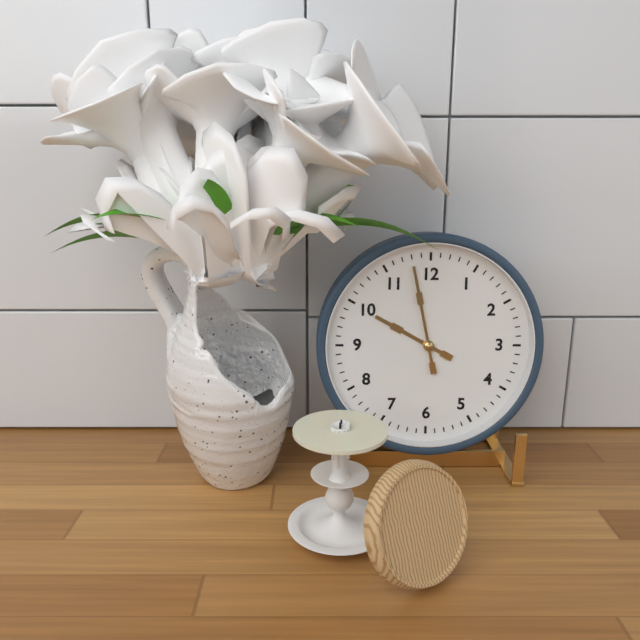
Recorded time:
9h58
